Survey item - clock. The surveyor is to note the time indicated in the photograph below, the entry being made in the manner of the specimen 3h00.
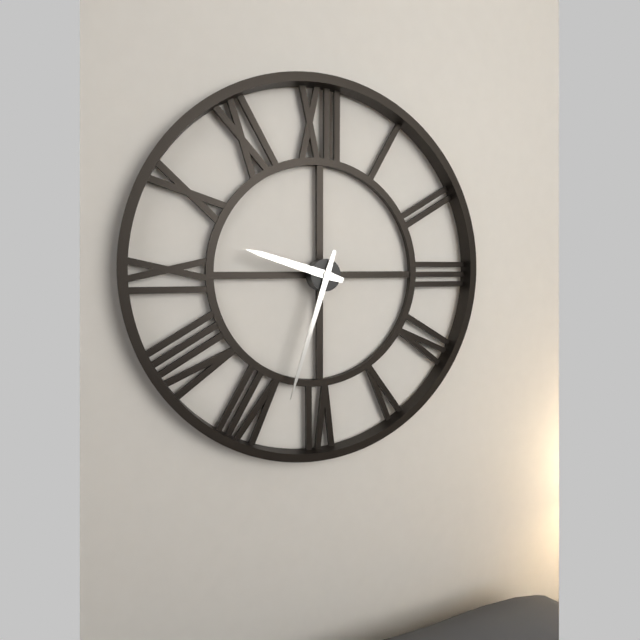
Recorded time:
9h33
